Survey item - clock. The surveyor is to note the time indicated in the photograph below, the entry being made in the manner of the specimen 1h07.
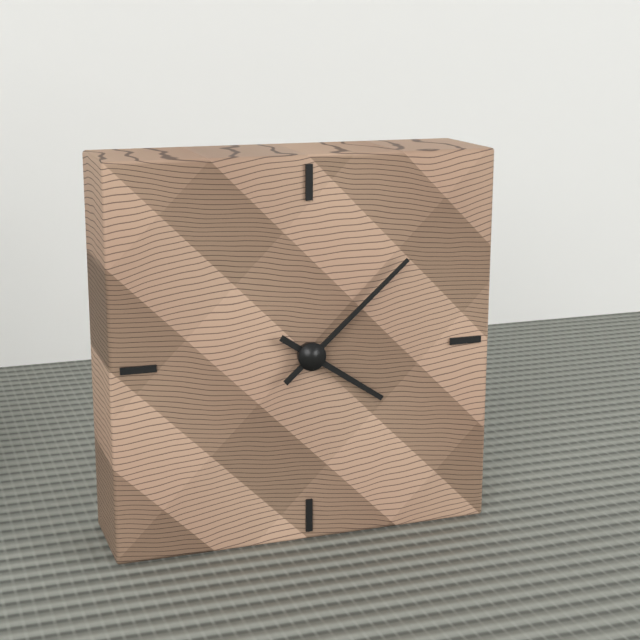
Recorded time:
4h08
